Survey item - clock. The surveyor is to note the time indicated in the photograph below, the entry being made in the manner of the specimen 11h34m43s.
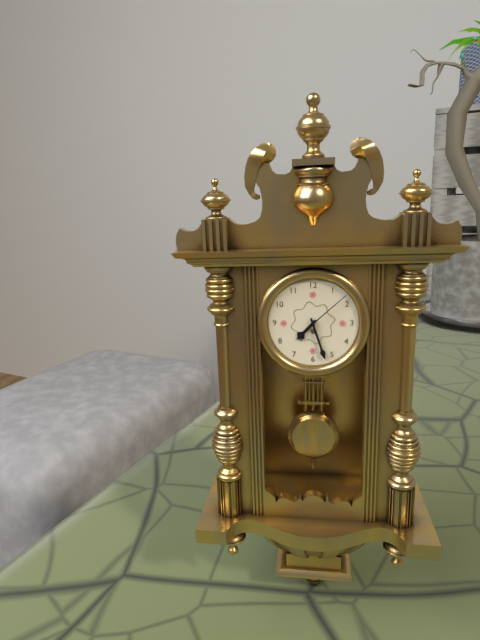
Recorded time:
7h27m08s
